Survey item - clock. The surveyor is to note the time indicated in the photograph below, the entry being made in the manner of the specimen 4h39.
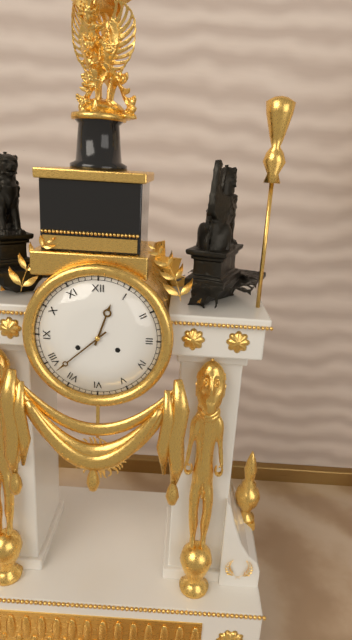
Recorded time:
12h38
